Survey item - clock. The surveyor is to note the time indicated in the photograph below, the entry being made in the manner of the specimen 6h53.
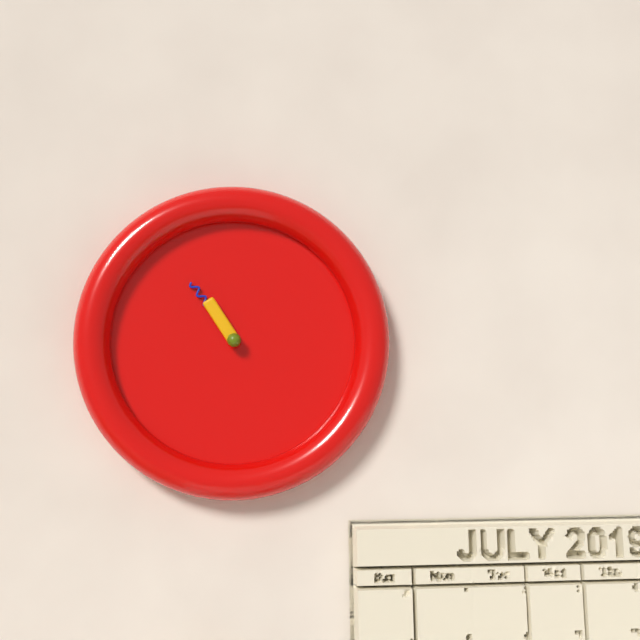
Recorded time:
10h54
